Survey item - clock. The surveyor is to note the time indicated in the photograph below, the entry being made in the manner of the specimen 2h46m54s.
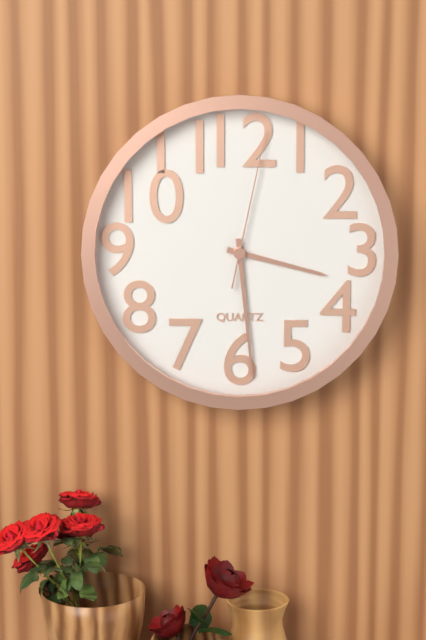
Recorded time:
3h29m02s
